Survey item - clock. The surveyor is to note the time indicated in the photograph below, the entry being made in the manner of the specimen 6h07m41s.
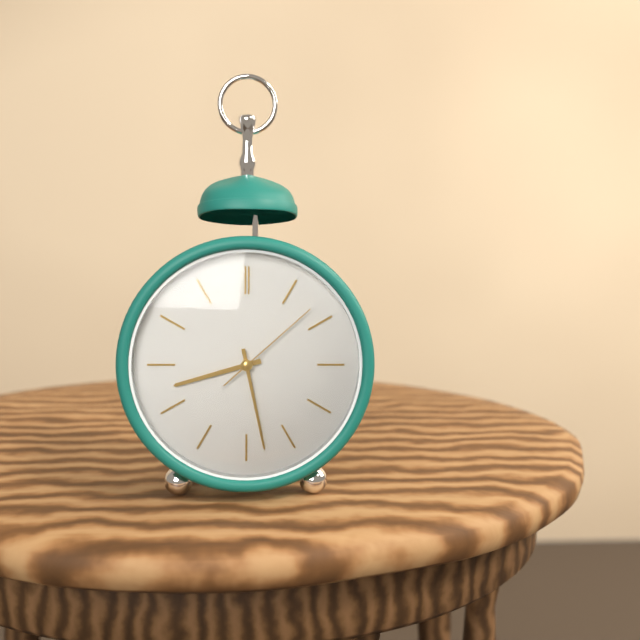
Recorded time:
8h28m08s
